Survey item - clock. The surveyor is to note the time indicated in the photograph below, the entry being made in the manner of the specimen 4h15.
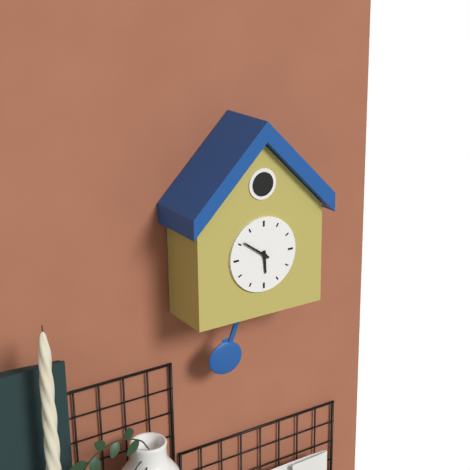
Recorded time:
5h51
